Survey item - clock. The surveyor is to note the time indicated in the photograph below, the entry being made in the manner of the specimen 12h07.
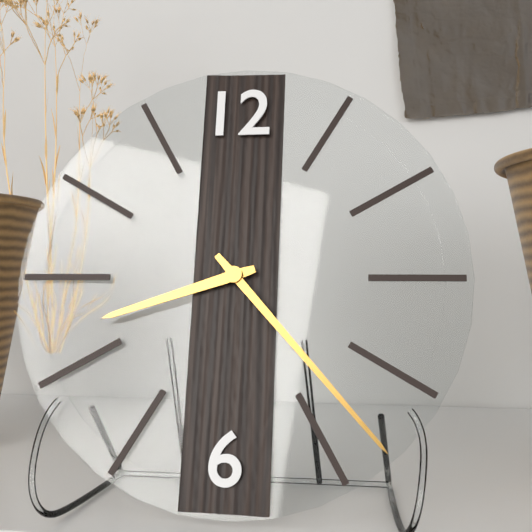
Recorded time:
8h23
